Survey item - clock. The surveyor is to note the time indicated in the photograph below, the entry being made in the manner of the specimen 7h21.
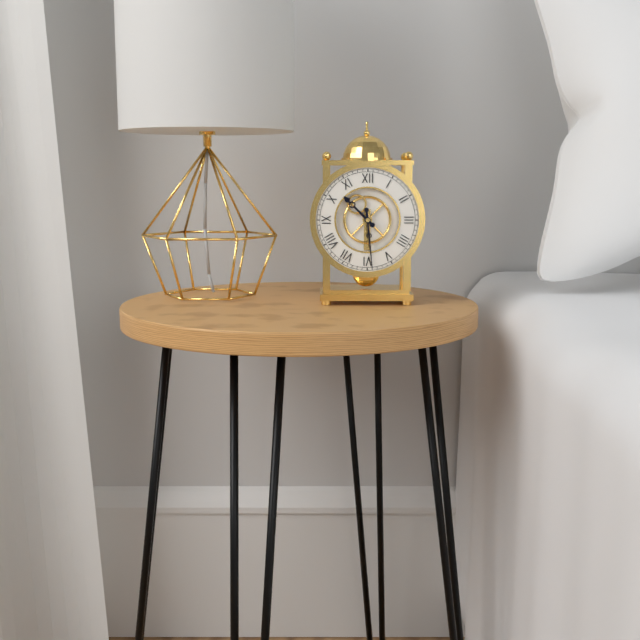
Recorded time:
10h29
